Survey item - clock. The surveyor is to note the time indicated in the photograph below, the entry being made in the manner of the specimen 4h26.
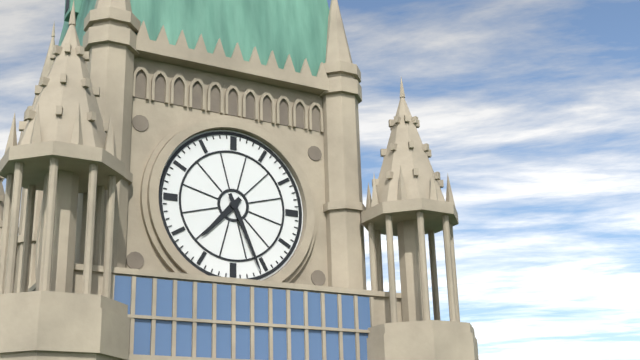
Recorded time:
7h26
